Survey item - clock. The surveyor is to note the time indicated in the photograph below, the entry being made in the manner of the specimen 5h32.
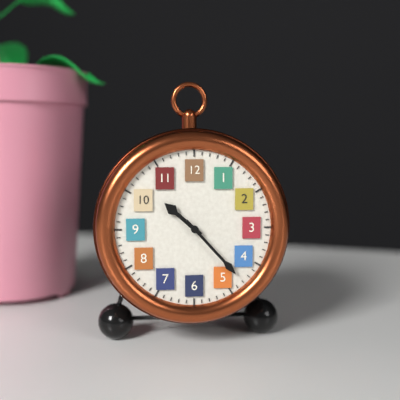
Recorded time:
10h23
